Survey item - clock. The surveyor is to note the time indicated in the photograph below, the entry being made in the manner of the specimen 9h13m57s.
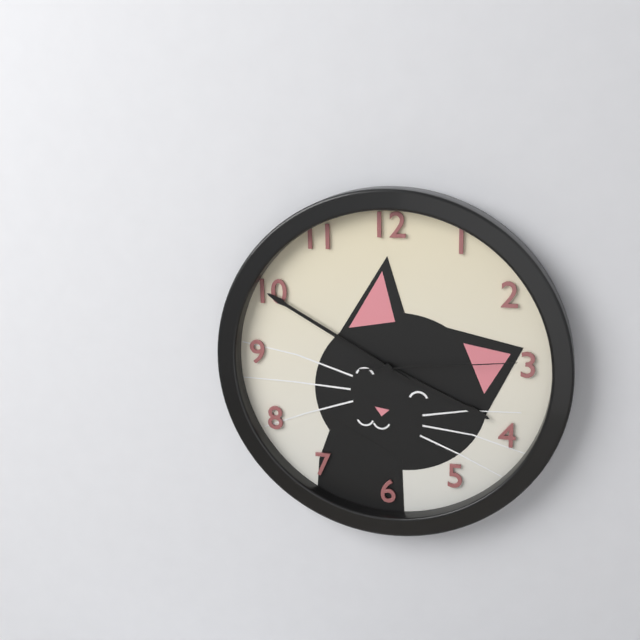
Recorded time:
3h50m14s
